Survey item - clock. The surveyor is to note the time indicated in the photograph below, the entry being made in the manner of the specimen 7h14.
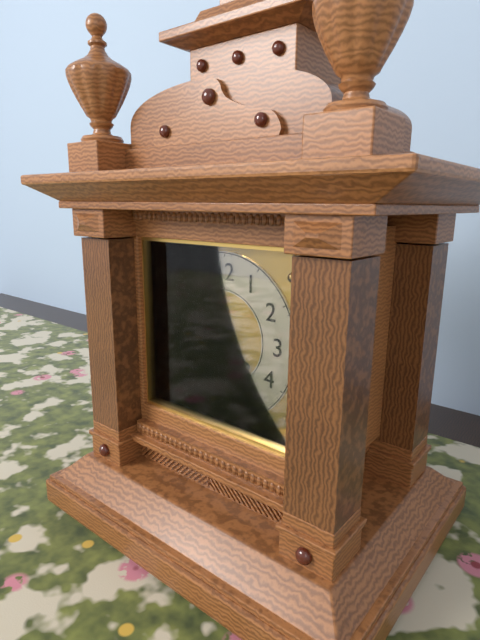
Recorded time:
4h32
